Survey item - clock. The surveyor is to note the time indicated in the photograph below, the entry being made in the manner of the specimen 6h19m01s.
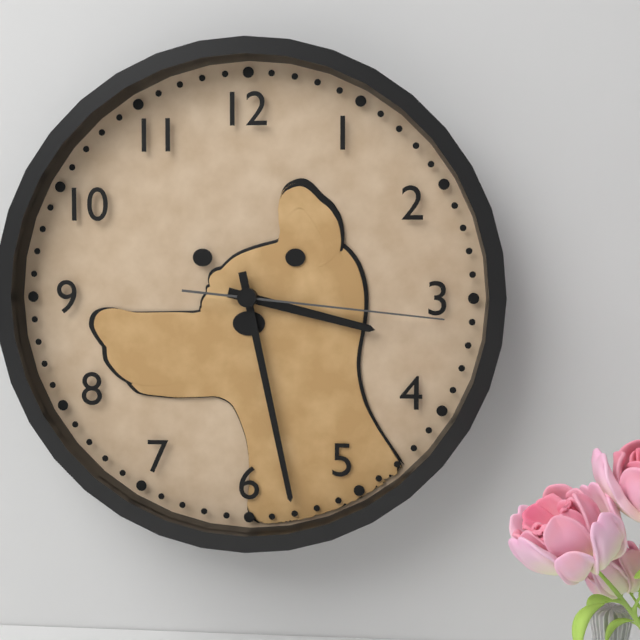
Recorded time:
3h28m16s
